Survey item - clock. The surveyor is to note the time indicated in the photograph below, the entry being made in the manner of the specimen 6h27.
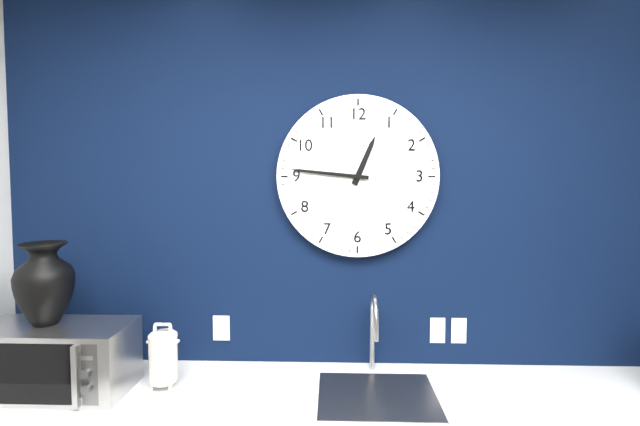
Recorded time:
12h46
